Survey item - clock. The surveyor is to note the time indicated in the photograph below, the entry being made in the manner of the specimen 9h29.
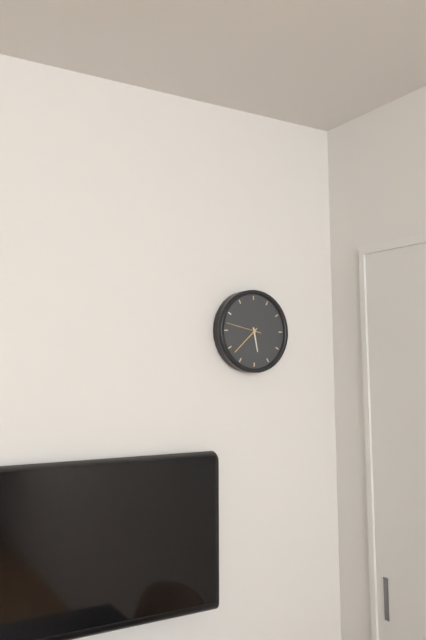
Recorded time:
5h38
